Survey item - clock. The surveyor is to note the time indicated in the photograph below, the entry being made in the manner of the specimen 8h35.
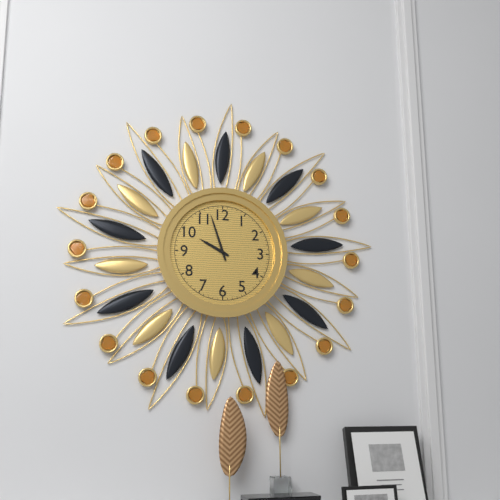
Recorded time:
9h57
